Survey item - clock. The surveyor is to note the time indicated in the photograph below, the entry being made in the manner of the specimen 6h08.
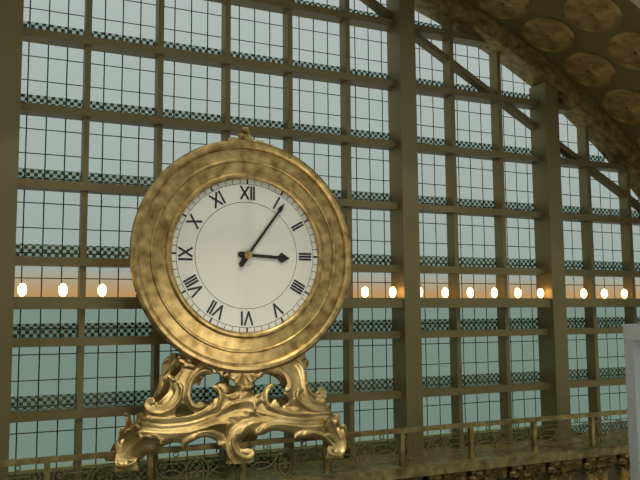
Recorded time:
3h06
